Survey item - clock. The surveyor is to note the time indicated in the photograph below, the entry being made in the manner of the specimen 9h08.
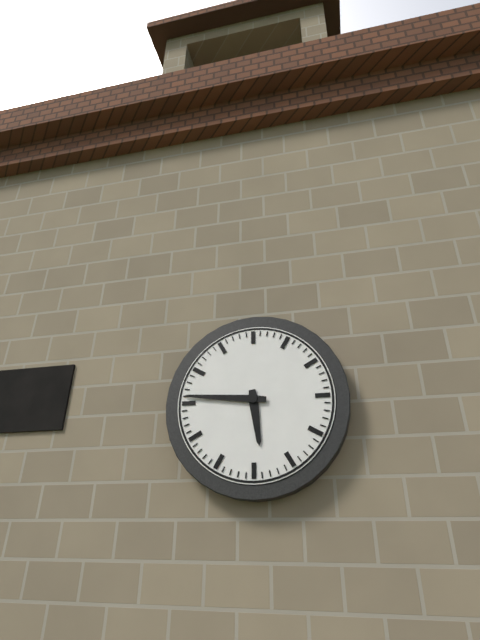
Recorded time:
5h46
